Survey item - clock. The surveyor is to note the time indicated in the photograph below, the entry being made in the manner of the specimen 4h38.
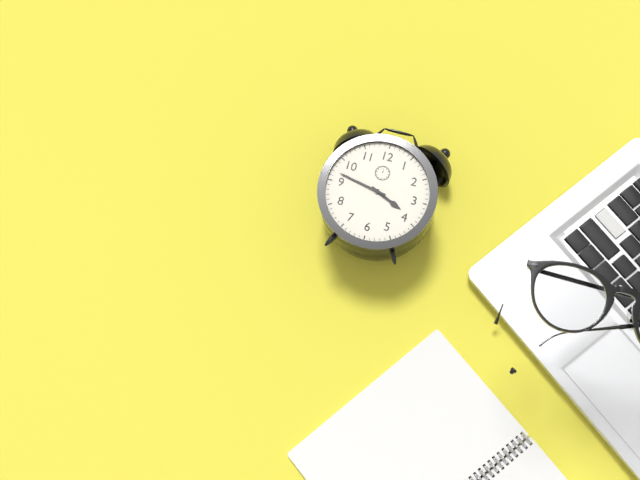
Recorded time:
3h47
